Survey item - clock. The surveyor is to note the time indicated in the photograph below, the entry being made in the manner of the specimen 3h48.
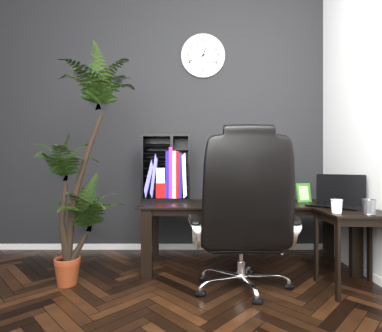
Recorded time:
12h41
